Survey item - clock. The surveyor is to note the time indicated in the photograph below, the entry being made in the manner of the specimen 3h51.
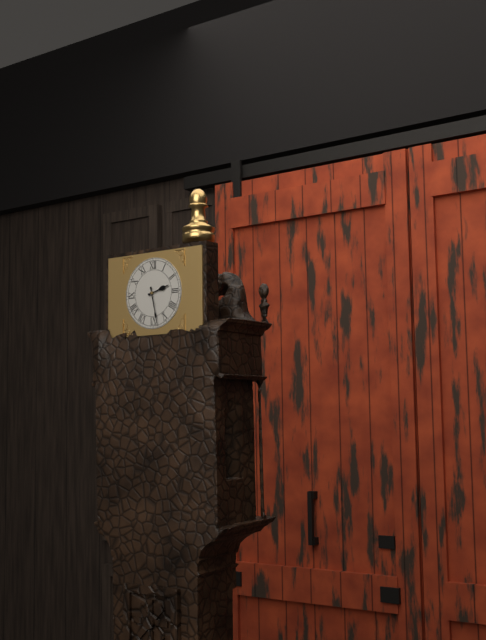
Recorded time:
2h28
